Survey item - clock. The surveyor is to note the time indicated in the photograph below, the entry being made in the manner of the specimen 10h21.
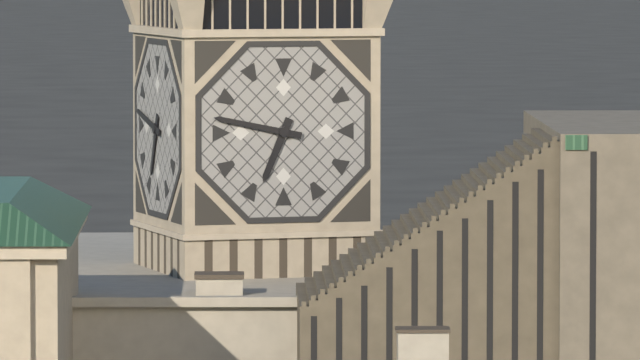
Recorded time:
6h47
